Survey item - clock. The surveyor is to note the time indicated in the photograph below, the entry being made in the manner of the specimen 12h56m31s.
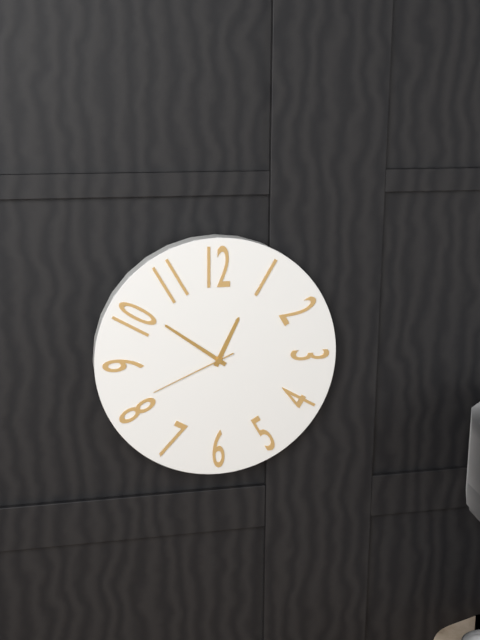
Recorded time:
12h51m41s
